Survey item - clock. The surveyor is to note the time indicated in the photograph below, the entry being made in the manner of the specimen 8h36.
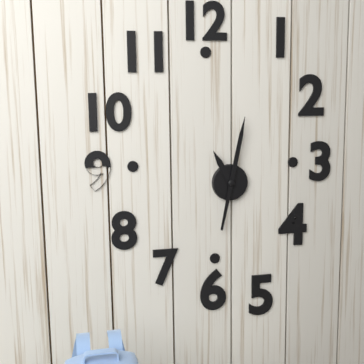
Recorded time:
11h02
